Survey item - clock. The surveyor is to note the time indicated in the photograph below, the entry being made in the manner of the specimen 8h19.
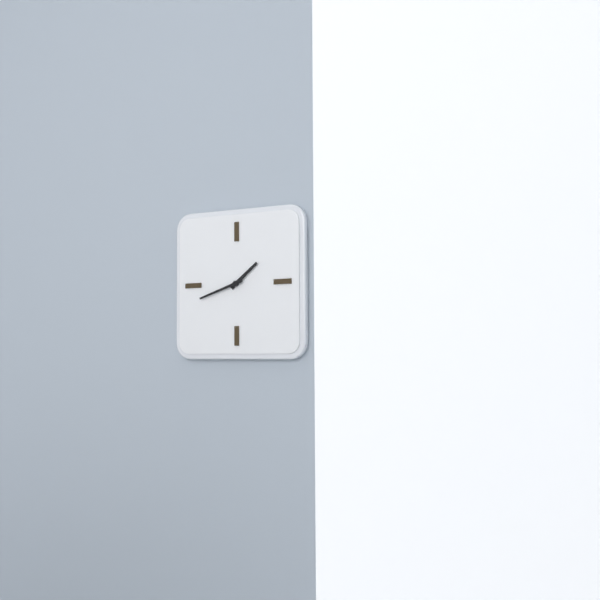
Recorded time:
1h42
